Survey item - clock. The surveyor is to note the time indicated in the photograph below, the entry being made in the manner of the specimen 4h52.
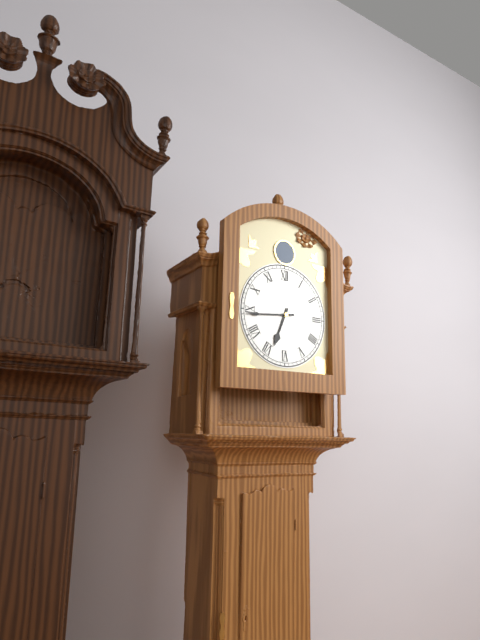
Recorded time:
6h44
